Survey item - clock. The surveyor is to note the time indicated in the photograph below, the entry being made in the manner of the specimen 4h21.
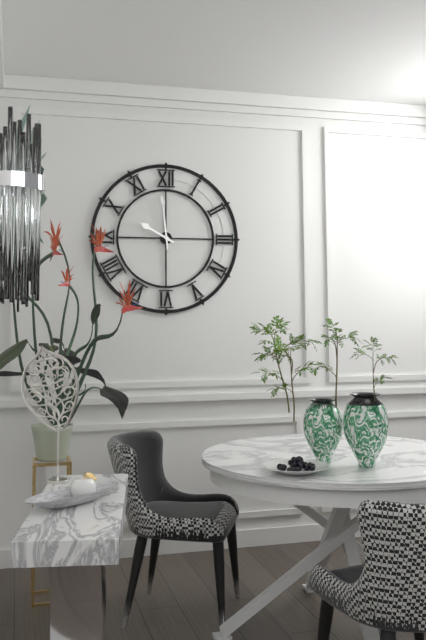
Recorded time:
9h59
